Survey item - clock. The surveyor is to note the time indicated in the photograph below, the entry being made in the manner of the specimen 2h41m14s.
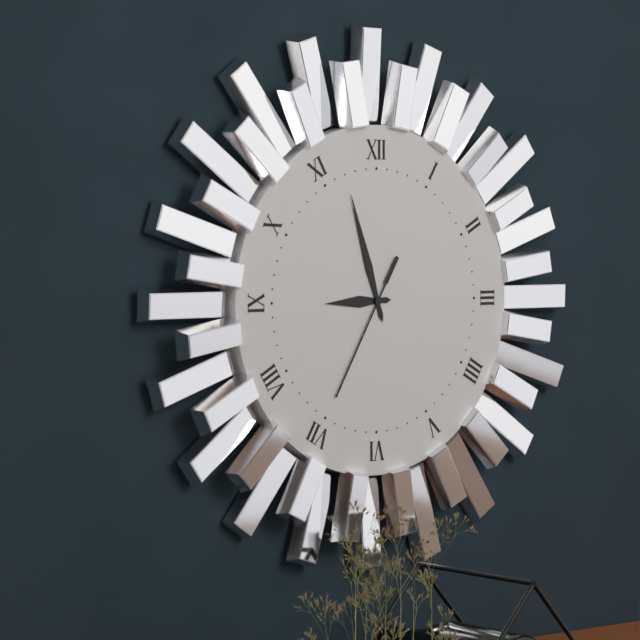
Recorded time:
8h57m35s
